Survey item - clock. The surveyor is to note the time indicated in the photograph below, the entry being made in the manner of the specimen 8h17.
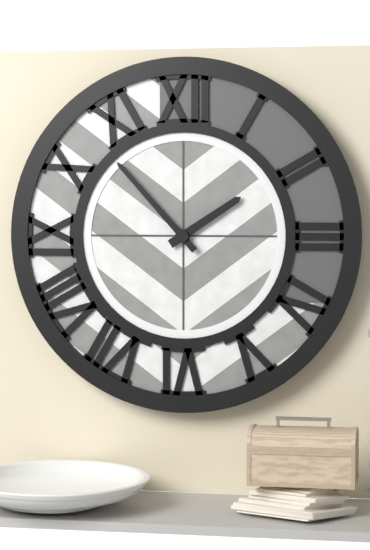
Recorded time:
1h53
